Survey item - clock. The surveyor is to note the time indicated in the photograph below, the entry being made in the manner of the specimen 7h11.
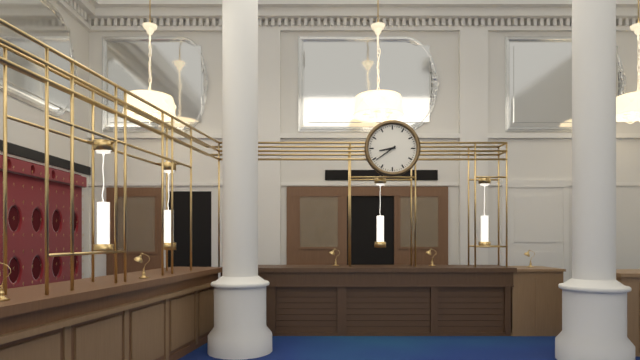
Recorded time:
8h39
